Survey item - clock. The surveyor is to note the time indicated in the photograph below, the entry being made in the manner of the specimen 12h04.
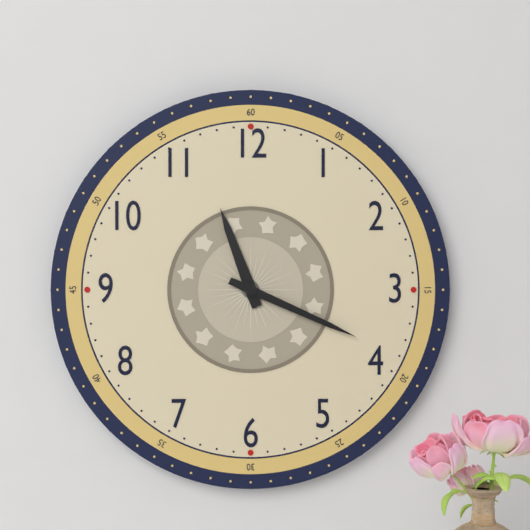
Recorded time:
11h19
